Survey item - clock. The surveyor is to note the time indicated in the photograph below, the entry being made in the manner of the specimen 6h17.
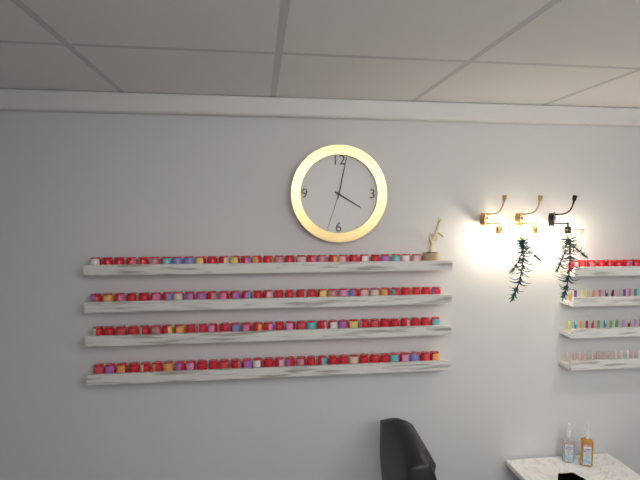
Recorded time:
4h02
